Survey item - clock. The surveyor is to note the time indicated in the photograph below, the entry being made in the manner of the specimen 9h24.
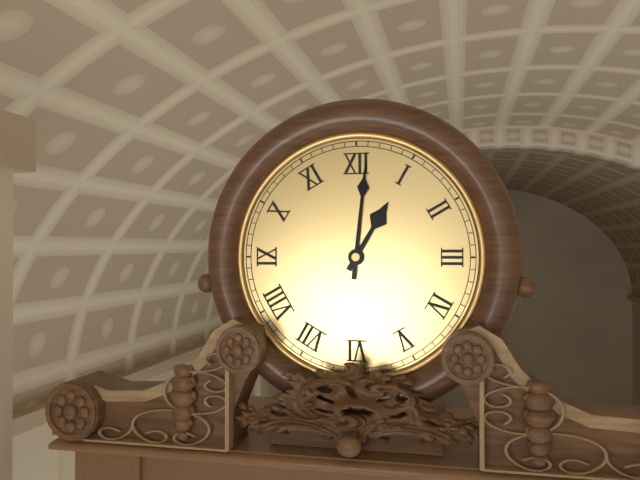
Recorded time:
1h01
